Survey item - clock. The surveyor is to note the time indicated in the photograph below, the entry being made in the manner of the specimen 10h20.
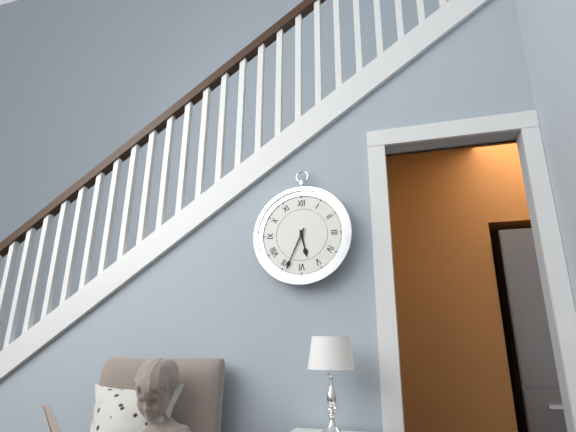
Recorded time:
5h34
